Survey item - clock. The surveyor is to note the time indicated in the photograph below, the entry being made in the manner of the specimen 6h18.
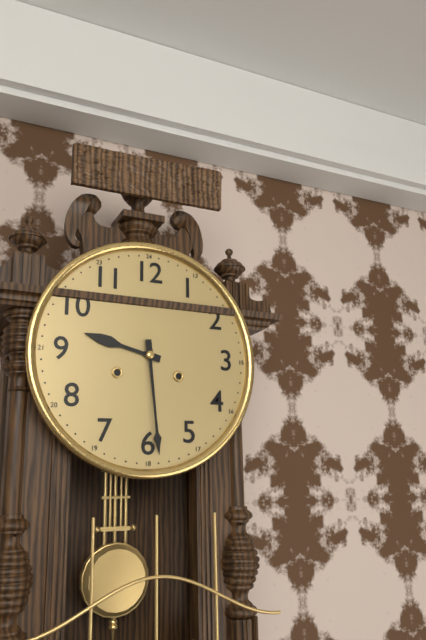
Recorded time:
9h29
